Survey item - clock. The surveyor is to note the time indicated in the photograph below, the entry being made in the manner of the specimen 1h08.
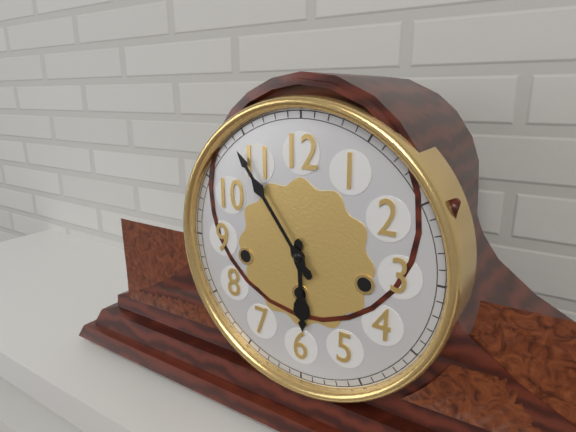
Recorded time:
5h54
